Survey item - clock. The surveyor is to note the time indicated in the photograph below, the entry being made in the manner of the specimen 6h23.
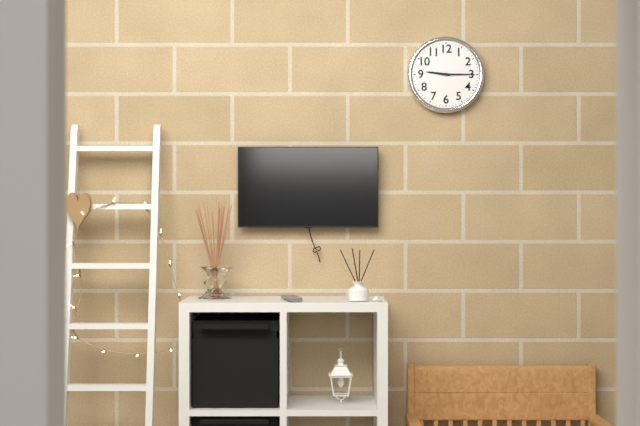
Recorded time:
9h15
